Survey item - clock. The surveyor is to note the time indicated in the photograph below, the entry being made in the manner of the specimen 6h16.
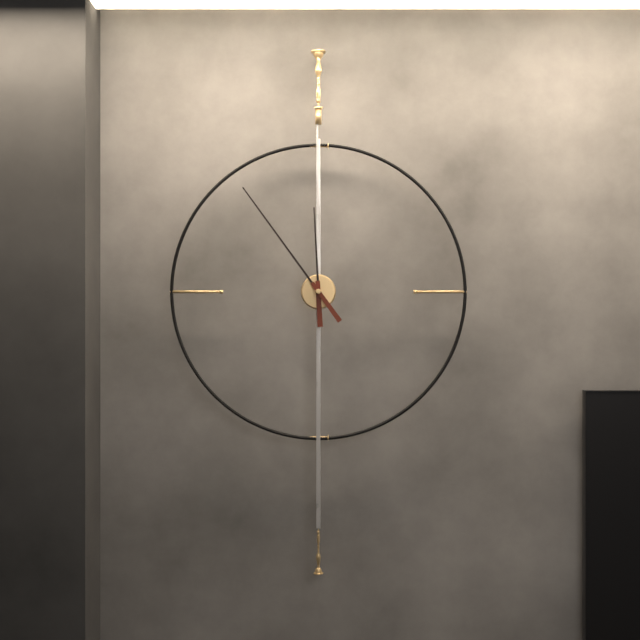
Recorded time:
11h54
